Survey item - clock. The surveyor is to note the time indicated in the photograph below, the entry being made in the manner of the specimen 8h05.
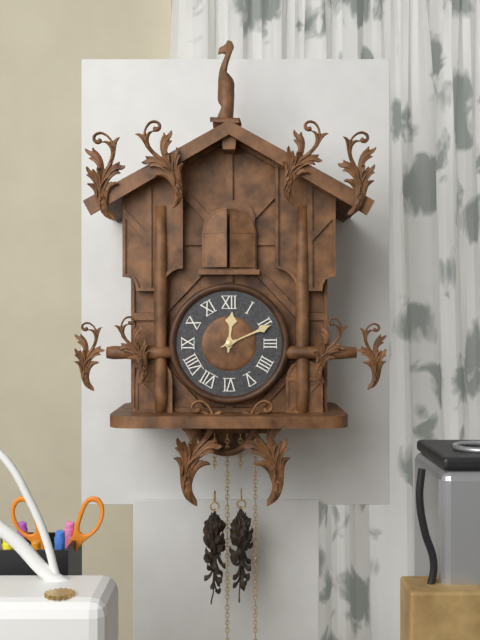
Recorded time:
12h11
